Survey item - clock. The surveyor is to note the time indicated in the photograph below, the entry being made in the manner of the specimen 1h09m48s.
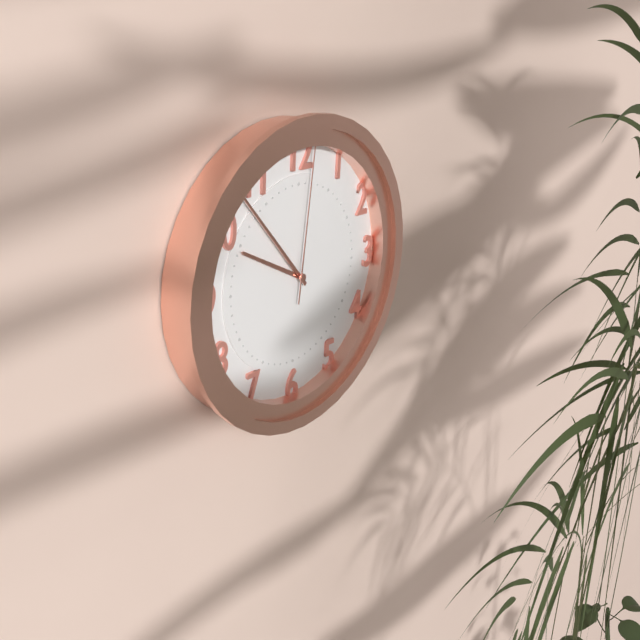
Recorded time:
9h53m01s
